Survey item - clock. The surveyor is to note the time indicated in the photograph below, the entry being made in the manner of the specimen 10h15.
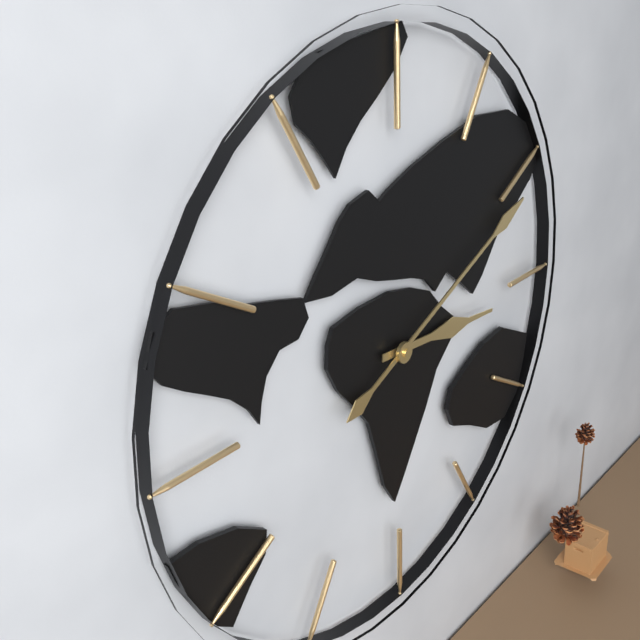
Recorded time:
3h11
